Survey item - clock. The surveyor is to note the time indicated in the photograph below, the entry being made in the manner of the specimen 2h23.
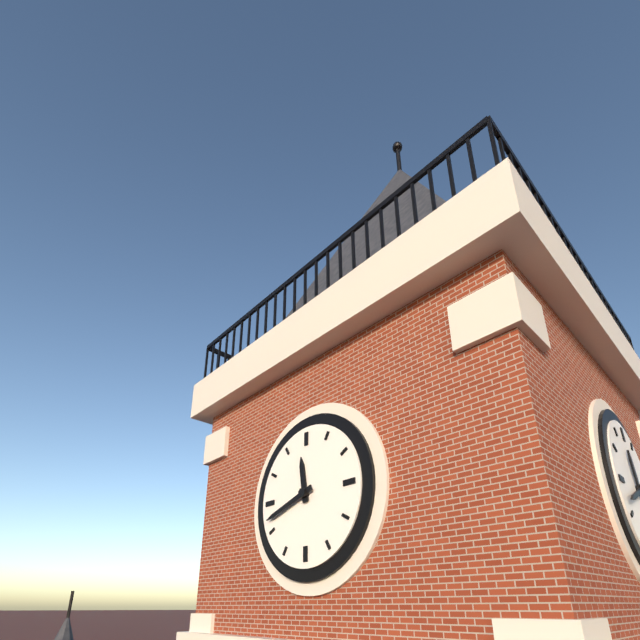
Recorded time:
11h42
